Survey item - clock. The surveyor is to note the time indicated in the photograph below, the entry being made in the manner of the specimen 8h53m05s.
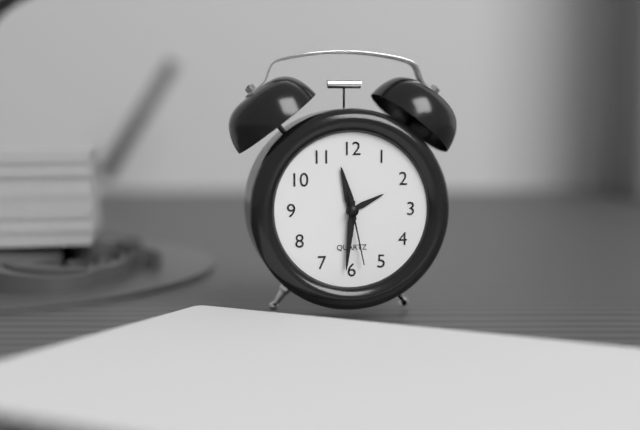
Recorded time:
11h31m28s
